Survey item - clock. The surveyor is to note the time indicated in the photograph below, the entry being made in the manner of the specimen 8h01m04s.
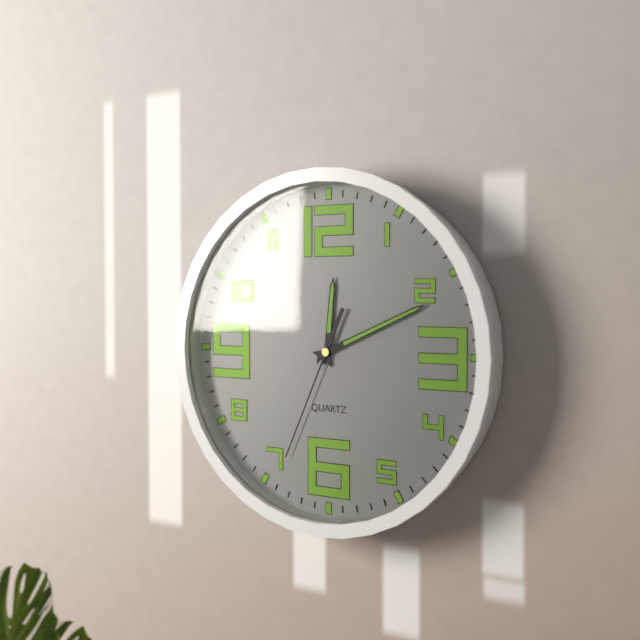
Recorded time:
12h11m34s
